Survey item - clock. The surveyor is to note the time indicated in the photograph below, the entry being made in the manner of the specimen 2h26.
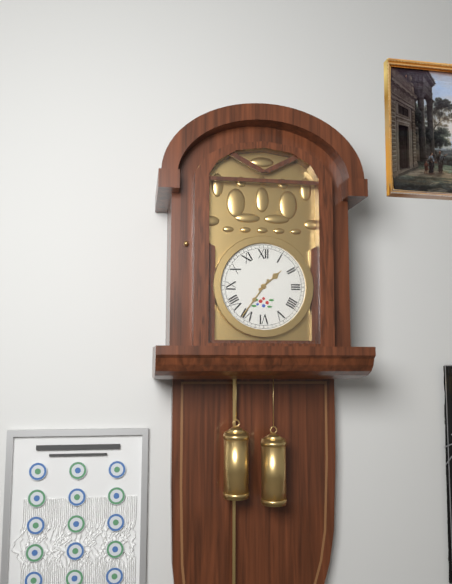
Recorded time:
1h36
